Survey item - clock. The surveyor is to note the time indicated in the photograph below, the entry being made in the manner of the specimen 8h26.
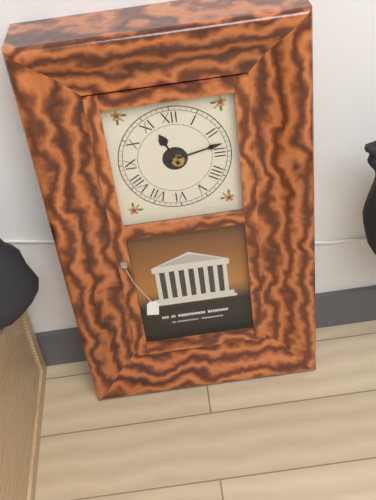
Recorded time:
11h13
